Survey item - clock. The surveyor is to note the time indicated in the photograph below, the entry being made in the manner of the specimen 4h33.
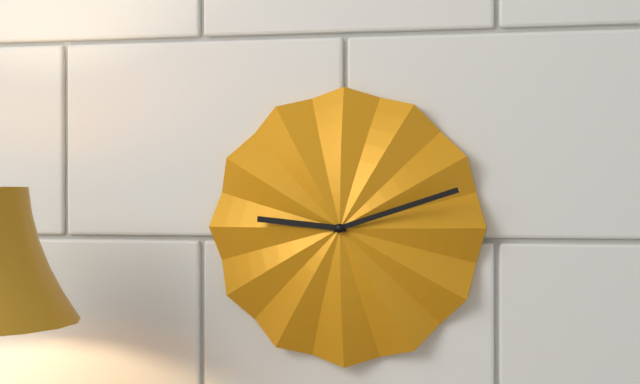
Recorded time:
9h12
